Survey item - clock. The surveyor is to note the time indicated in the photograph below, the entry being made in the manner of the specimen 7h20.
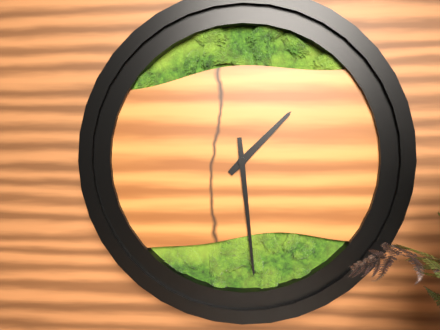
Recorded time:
1h29
